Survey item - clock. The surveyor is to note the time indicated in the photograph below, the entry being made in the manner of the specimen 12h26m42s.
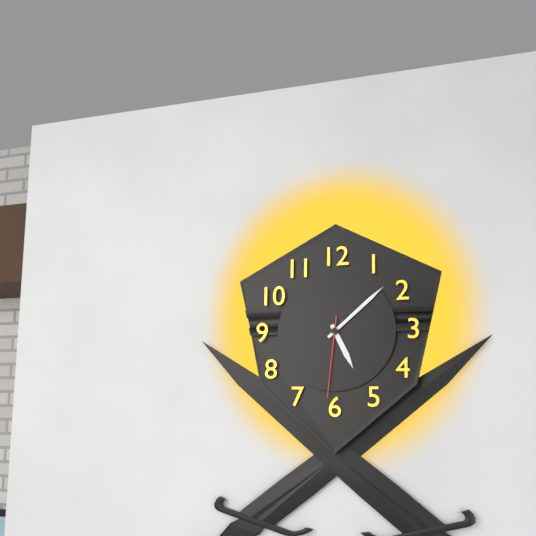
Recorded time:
5h08m31s
